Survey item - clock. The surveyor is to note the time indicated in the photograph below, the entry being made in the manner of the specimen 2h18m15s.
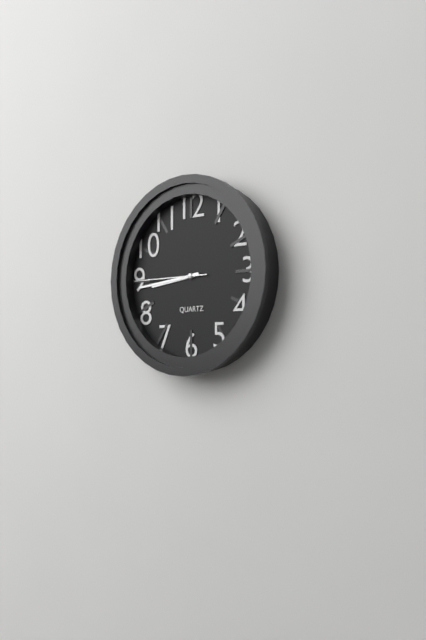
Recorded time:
8h44m45s
